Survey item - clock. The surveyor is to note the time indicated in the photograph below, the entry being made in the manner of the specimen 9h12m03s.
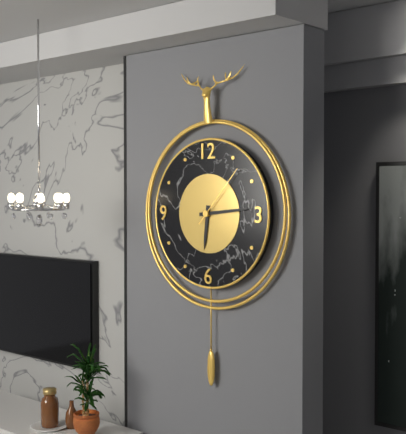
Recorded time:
6h14m07s
